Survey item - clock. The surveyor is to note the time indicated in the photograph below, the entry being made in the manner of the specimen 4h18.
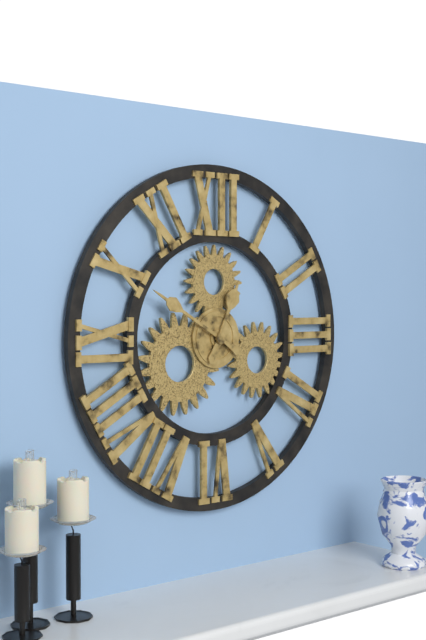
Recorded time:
12h50
